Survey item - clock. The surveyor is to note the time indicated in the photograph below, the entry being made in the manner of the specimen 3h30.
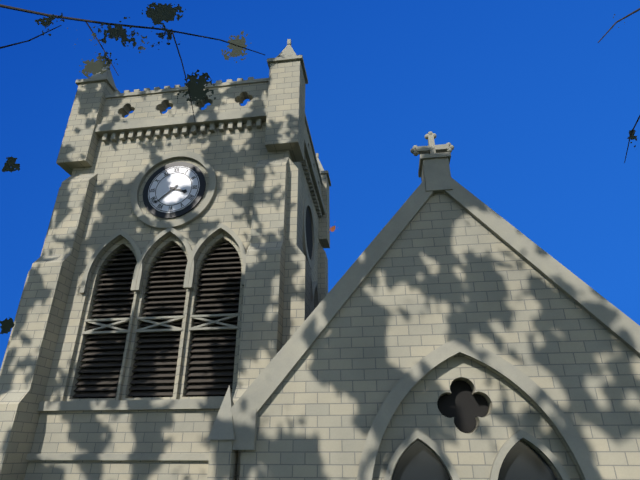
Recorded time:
3h38
